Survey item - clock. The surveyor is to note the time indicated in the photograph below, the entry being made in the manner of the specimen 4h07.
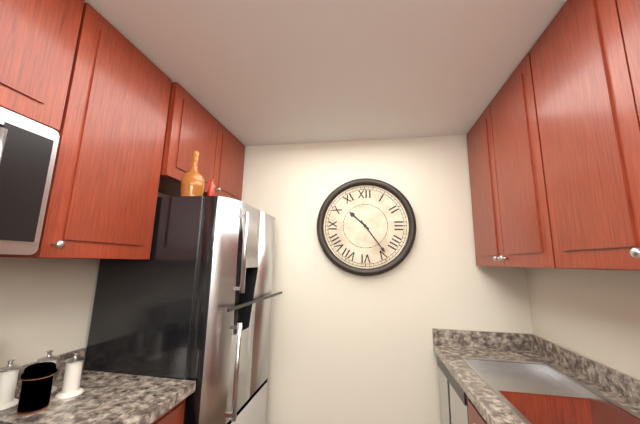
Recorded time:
10h24
